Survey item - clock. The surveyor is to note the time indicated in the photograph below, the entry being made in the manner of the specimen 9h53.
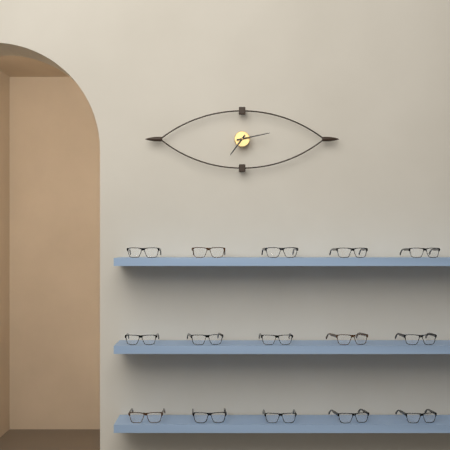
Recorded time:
7h13
